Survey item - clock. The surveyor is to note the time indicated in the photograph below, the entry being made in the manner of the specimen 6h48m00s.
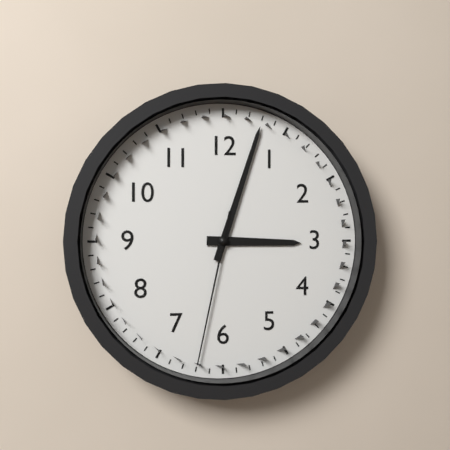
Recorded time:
3h03m32s
